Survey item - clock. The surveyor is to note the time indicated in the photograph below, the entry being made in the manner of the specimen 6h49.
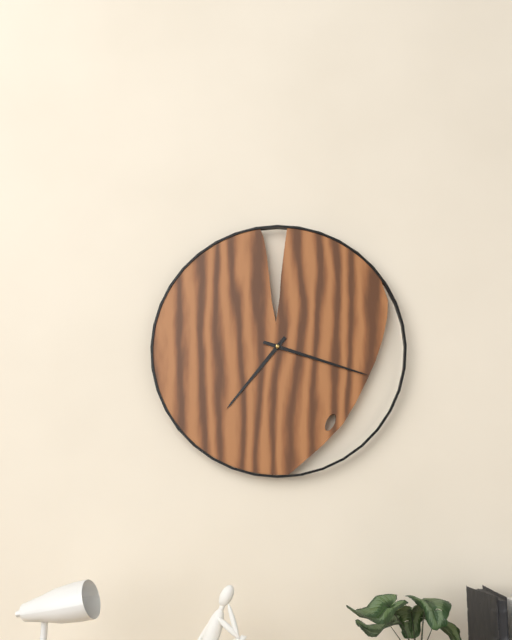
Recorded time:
7h18
